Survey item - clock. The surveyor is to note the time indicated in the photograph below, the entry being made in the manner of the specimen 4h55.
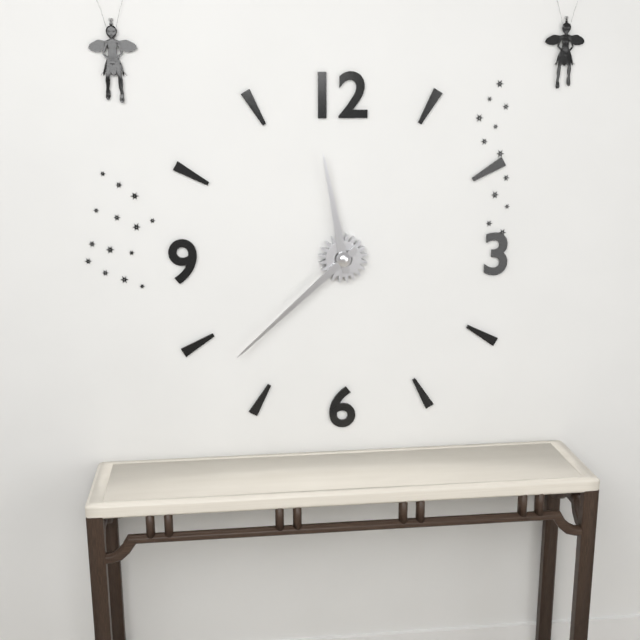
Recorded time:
11h38
